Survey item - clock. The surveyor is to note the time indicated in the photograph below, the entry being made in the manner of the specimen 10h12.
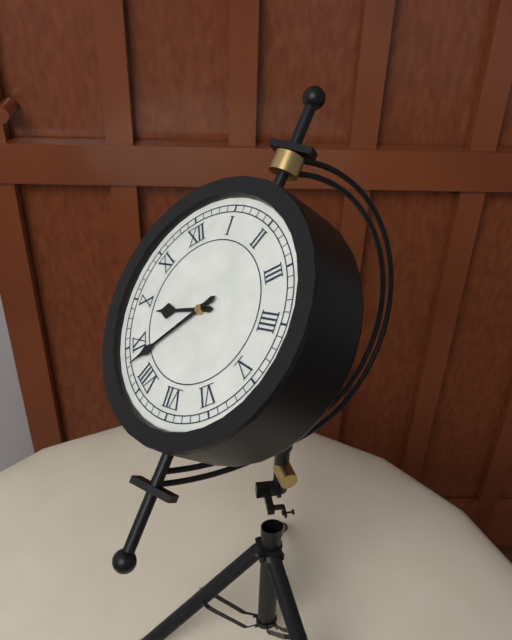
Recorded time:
9h43
